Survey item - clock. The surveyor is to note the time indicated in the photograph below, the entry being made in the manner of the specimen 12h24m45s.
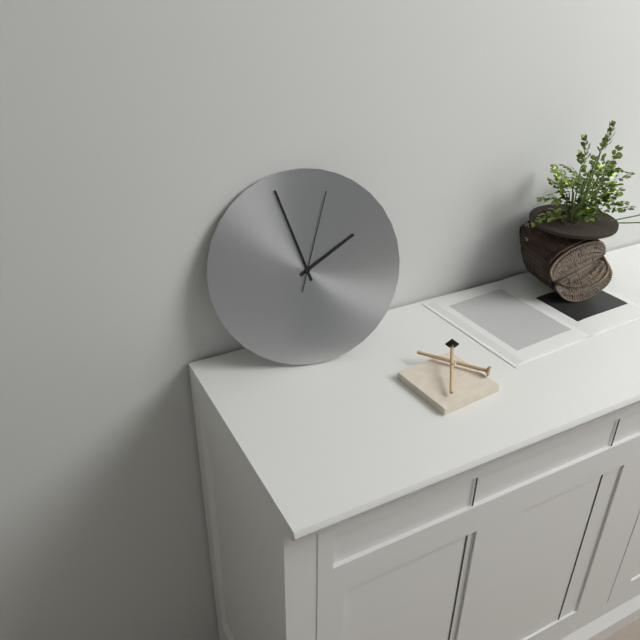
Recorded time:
1h57m03s
